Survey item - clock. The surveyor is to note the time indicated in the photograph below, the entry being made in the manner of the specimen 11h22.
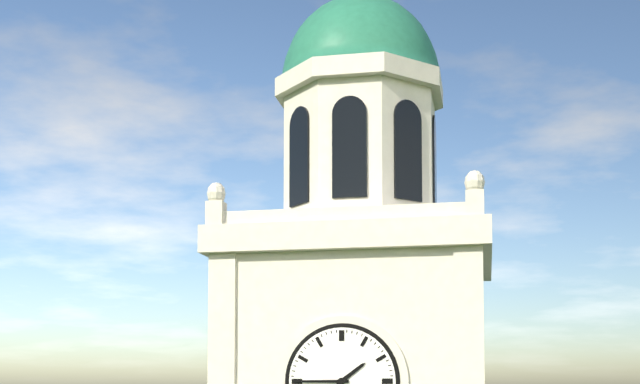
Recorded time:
1h45
